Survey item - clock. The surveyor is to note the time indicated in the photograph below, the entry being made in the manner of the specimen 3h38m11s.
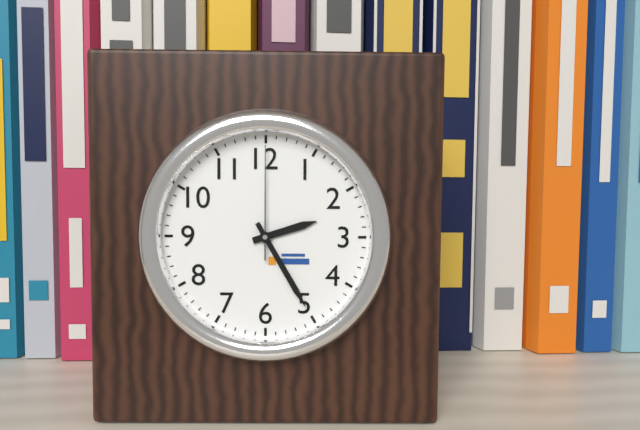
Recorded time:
2h25m00s
